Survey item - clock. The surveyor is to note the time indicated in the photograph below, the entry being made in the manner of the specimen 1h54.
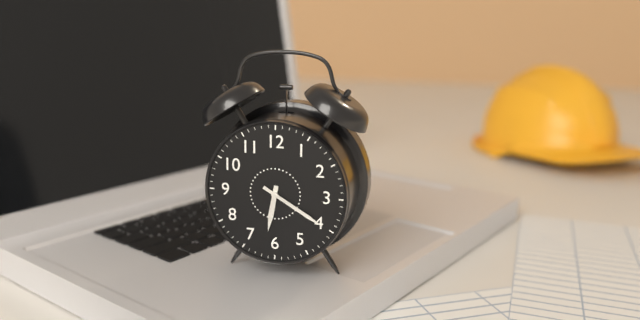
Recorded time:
6h20
